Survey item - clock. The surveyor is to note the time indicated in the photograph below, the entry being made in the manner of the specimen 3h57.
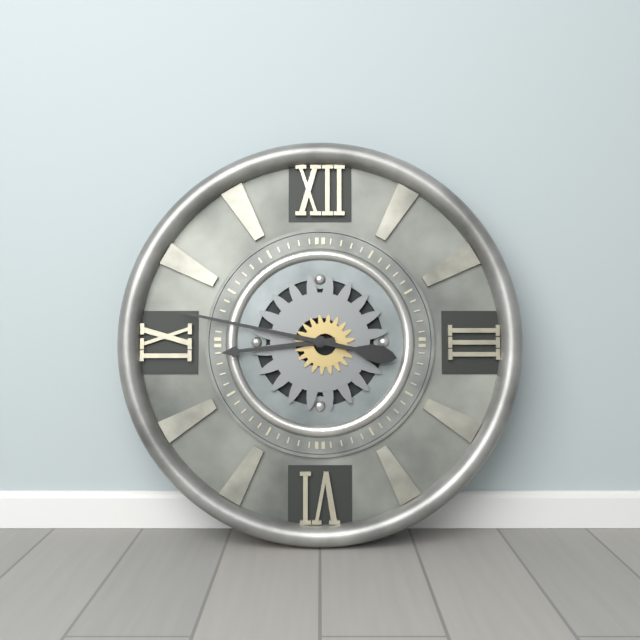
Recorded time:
8h47
